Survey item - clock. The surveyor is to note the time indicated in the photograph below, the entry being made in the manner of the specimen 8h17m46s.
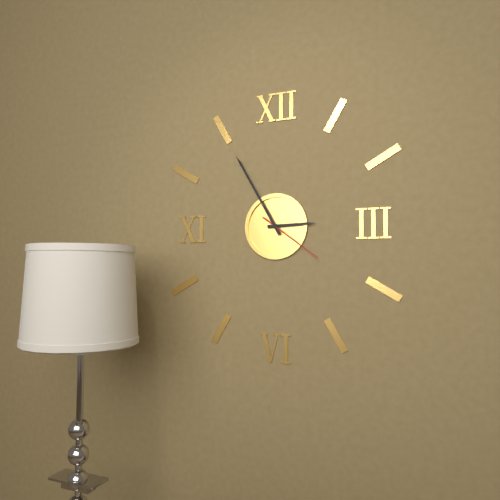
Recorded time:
2h55m21s
